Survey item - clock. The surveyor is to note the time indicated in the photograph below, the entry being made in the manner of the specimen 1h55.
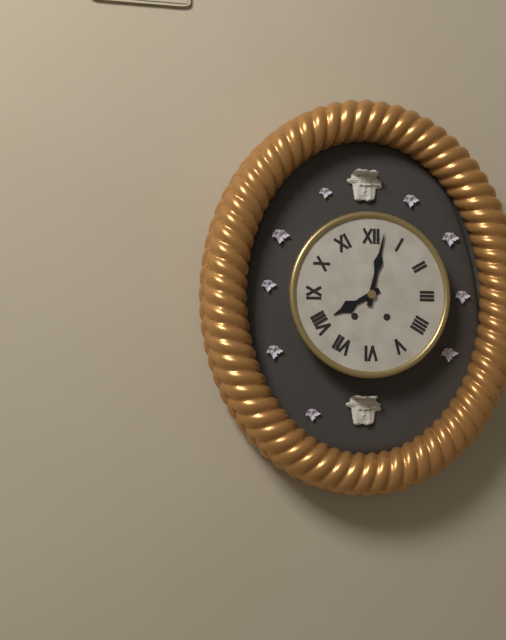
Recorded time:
8h02
